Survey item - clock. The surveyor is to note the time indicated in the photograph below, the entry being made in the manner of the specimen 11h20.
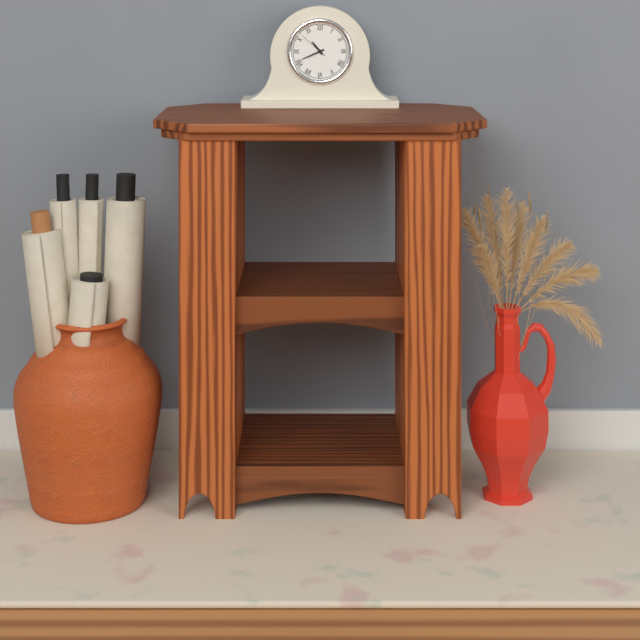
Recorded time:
10h41
